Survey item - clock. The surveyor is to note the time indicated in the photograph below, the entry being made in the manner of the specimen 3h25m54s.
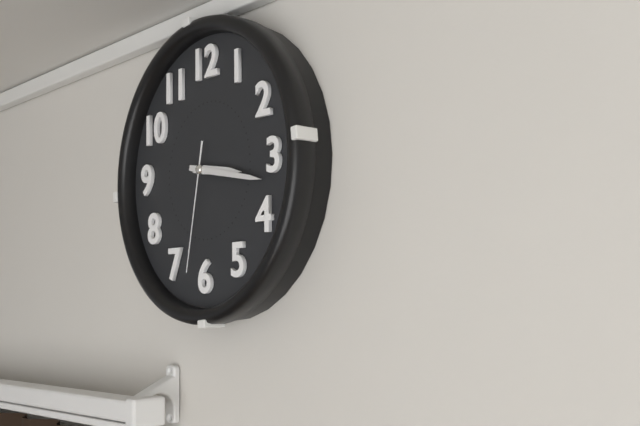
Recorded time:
3h17m32s
